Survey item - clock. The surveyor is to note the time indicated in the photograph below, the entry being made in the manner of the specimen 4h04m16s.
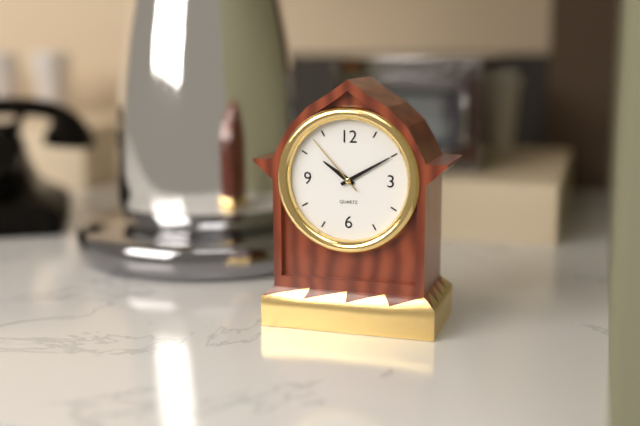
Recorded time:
10h10m53s
